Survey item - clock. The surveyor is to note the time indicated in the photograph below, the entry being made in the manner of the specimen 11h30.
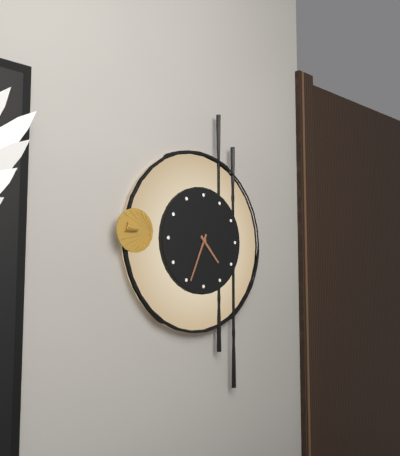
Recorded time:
4h34
